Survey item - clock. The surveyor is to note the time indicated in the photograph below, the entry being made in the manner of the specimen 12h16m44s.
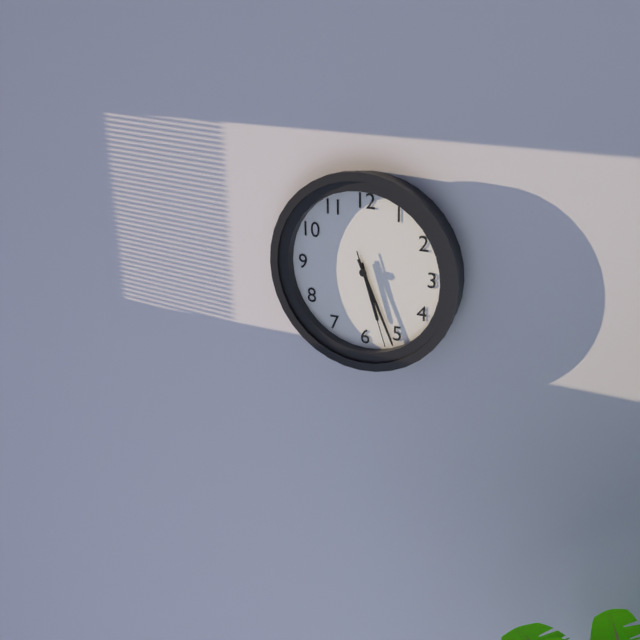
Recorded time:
5h26m27s
